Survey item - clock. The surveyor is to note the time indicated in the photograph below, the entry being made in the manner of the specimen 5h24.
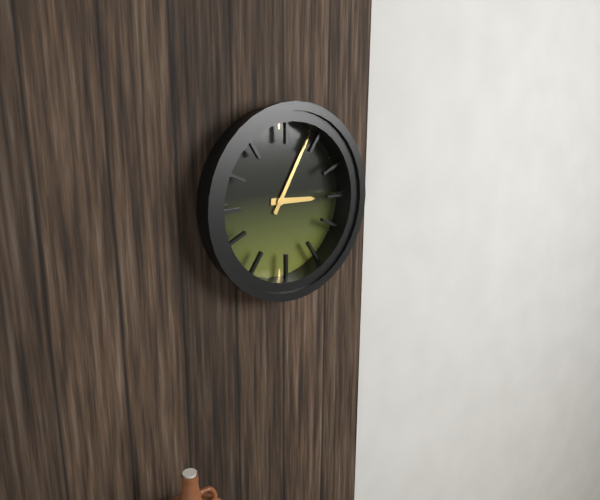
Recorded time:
3h05
